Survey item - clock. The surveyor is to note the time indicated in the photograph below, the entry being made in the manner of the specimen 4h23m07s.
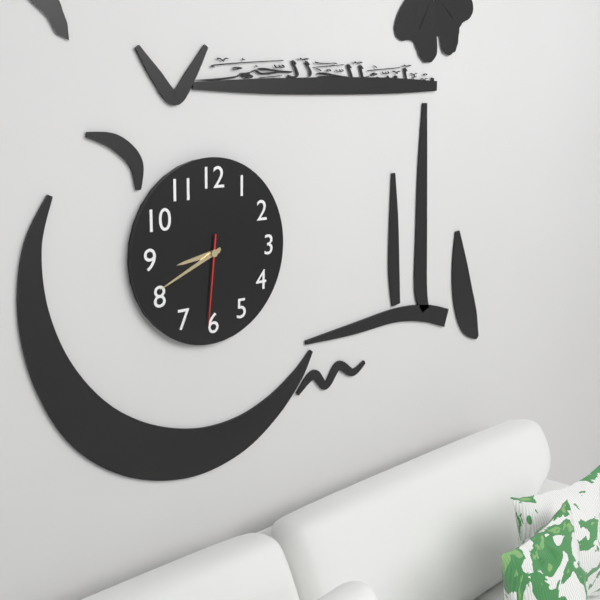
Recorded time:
8h41m31s
